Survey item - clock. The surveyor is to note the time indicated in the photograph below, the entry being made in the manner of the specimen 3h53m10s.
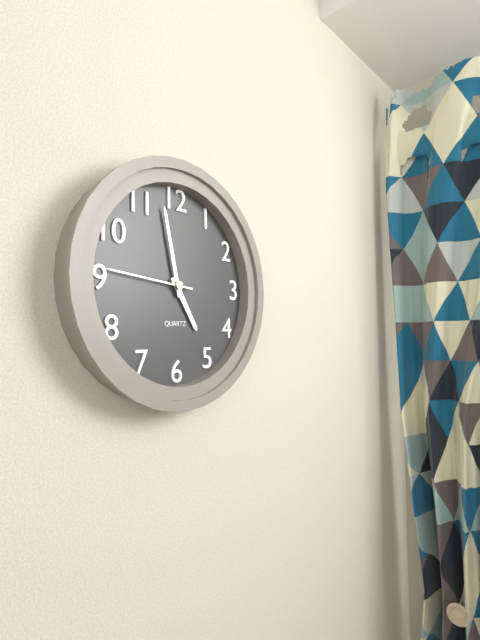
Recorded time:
4h58m46s
